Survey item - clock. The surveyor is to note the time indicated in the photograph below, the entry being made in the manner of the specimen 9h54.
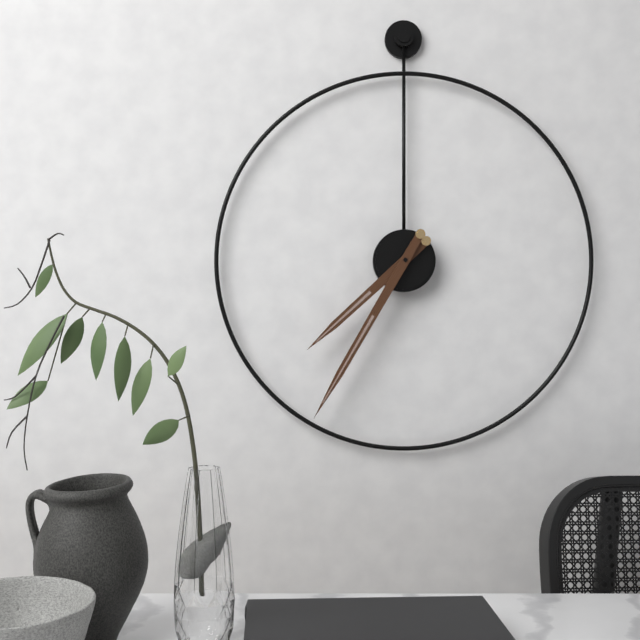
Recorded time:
7h35
